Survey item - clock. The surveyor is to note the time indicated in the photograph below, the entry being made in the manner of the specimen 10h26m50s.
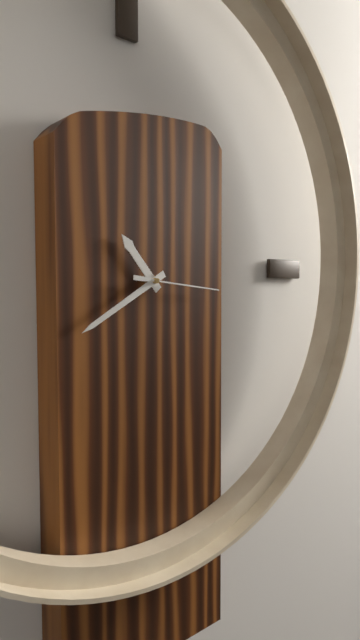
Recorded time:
10h40m16s
